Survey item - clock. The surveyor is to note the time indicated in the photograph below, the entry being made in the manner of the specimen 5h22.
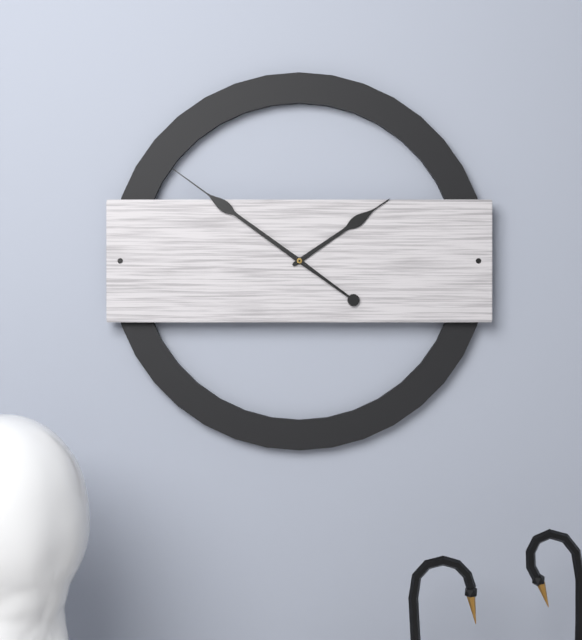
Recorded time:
1h51
